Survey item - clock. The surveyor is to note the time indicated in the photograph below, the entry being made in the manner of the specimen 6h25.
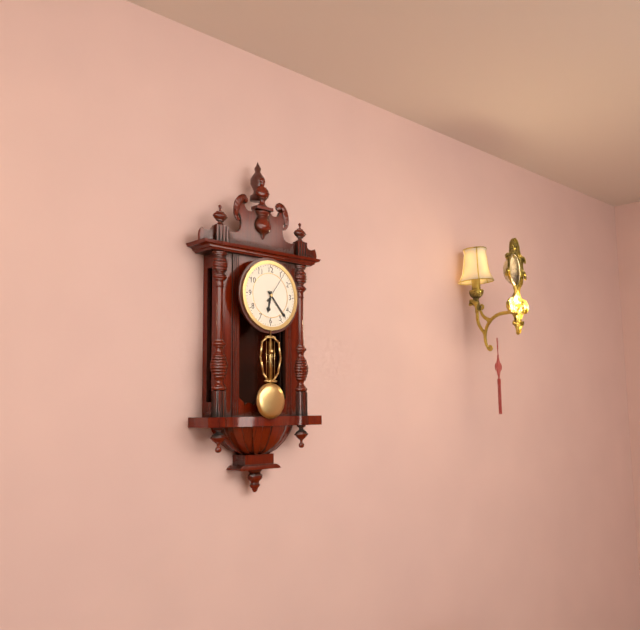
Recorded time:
6h23
